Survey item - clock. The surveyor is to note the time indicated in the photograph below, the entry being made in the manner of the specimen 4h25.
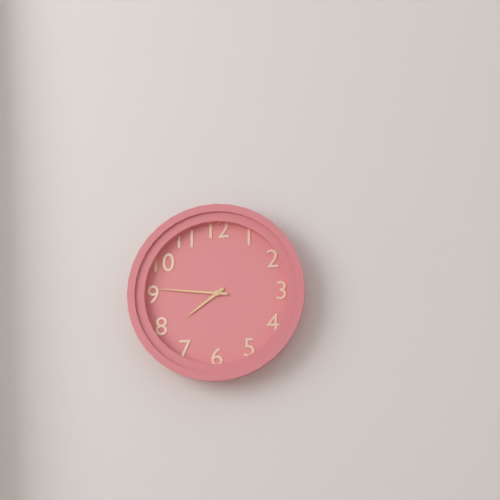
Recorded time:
7h46
